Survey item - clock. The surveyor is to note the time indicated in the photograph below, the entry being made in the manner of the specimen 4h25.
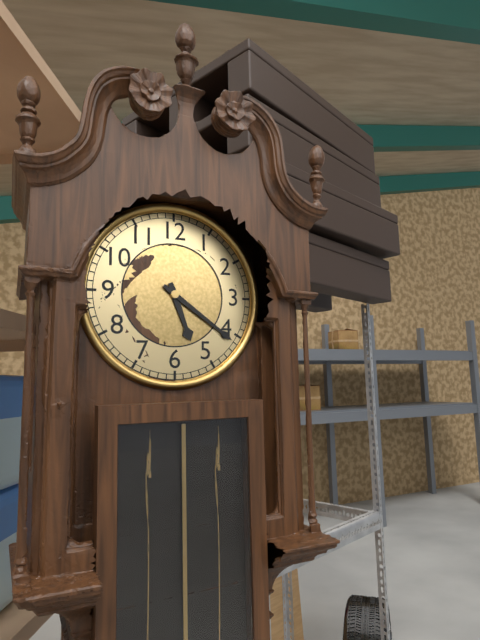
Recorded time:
5h21
